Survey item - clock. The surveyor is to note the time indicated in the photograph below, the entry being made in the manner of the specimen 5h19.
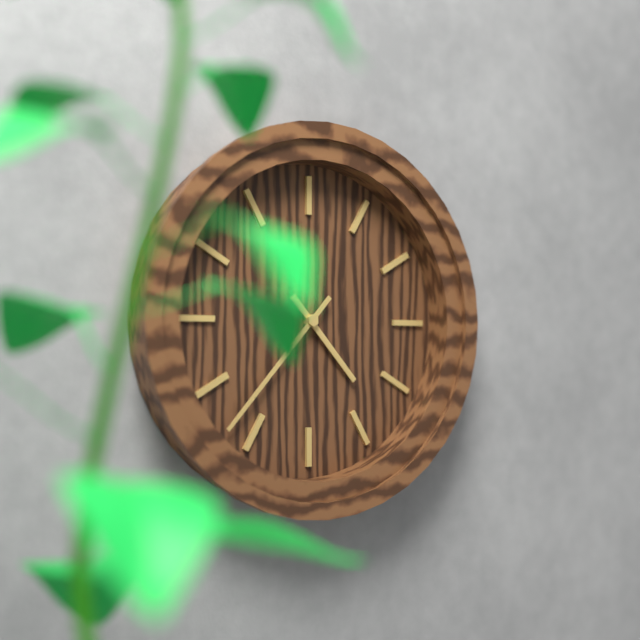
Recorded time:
4h37
